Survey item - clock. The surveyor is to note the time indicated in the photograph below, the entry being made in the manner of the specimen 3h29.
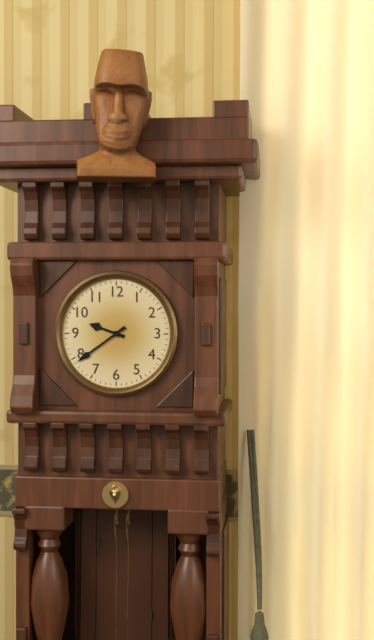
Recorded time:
9h39
